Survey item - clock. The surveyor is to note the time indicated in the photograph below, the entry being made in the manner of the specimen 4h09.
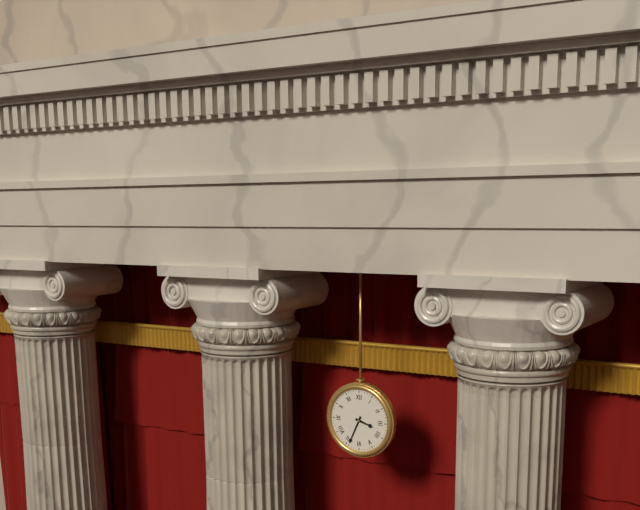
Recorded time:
3h34
